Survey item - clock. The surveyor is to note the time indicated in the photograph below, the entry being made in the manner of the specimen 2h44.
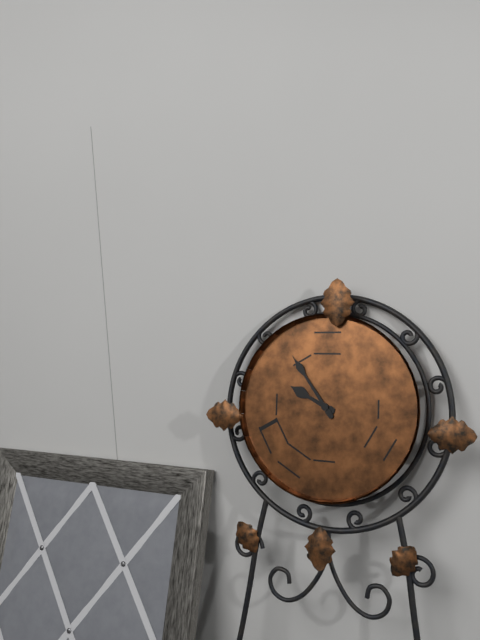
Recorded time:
9h54
